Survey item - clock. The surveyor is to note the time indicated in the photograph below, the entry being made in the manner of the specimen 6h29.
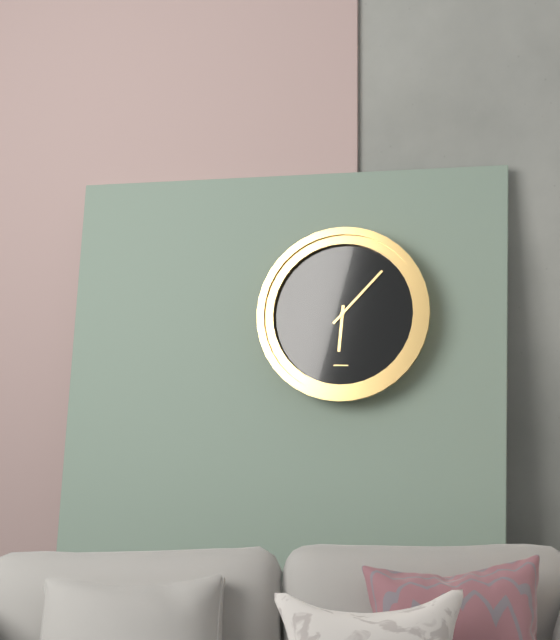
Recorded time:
6h07
